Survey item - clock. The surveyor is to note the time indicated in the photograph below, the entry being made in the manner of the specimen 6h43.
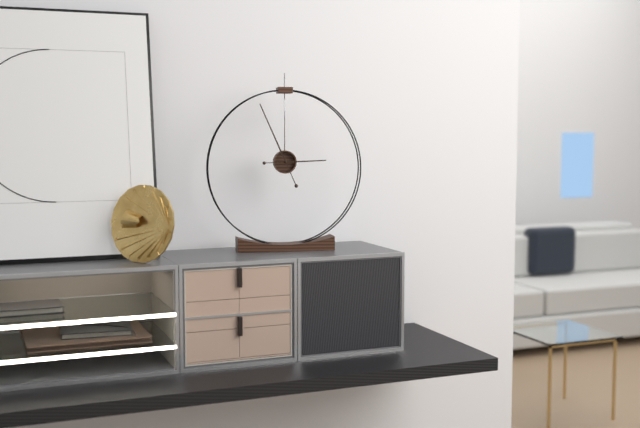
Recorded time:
2h56
